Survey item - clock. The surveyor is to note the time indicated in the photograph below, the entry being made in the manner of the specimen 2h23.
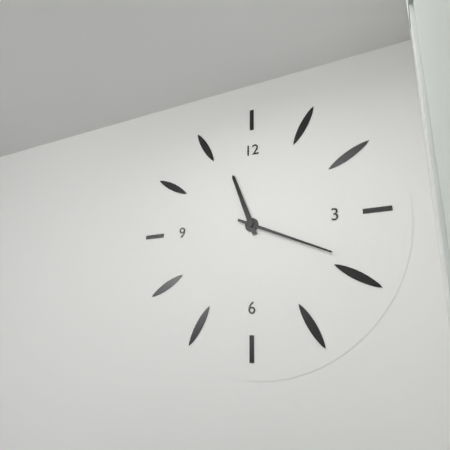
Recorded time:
11h19
